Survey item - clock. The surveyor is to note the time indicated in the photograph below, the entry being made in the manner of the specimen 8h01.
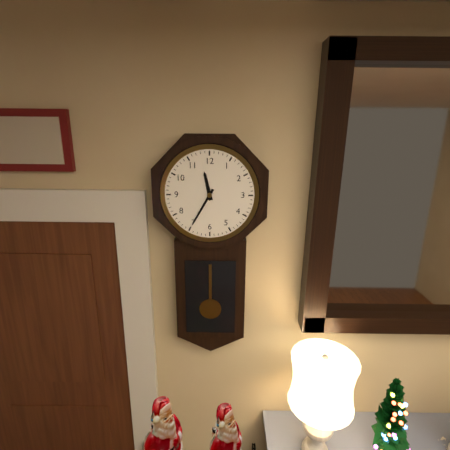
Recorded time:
11h35
